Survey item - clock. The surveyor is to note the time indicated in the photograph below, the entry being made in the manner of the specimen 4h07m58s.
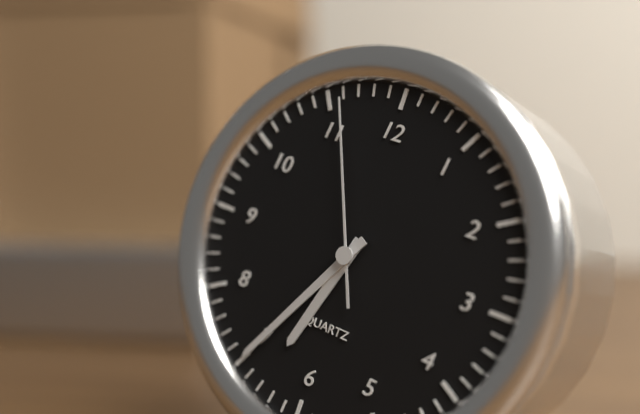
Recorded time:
6h35m56s
